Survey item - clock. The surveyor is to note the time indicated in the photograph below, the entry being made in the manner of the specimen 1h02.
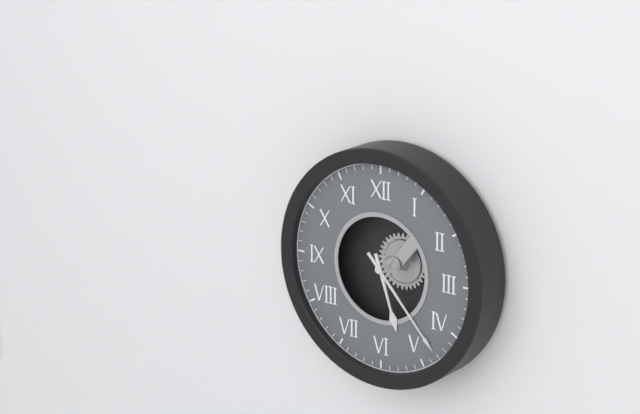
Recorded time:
5h23
